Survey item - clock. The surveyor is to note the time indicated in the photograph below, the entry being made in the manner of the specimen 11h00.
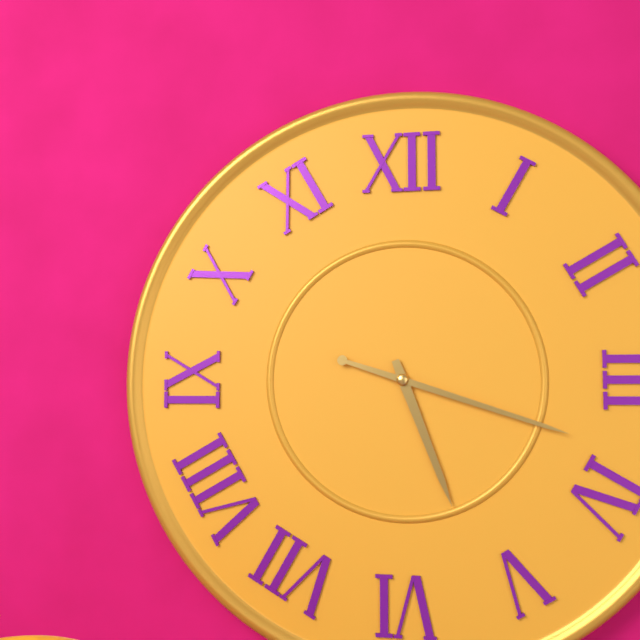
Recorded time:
5h18
